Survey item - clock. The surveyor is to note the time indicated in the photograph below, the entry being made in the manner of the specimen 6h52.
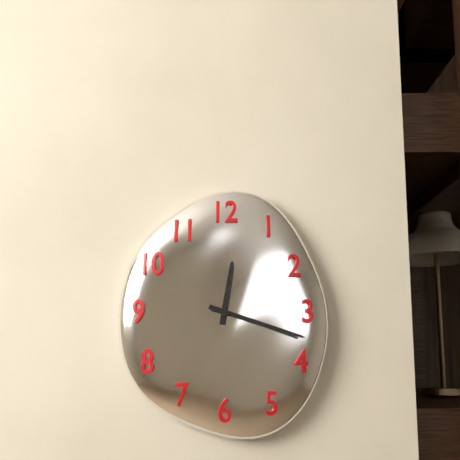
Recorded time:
12h18
